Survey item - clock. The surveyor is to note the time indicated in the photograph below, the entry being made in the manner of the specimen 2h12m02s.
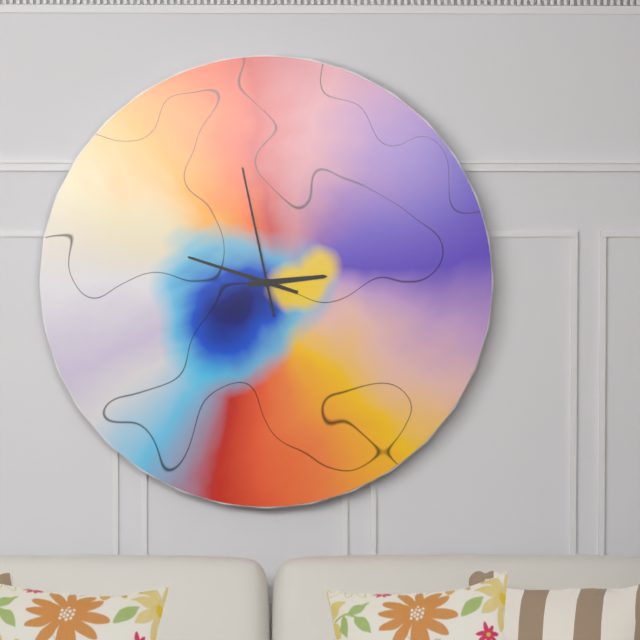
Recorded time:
2h48m58s
